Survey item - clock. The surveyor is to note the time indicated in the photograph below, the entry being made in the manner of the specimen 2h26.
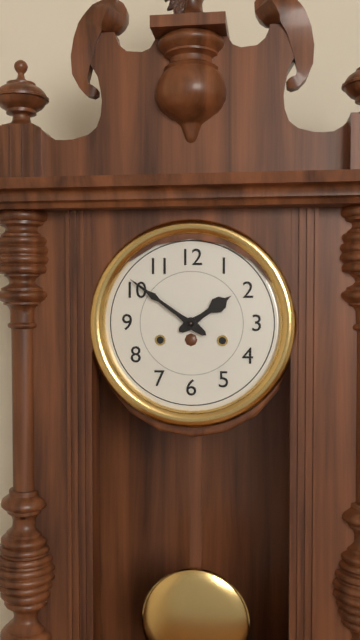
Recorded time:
1h51
